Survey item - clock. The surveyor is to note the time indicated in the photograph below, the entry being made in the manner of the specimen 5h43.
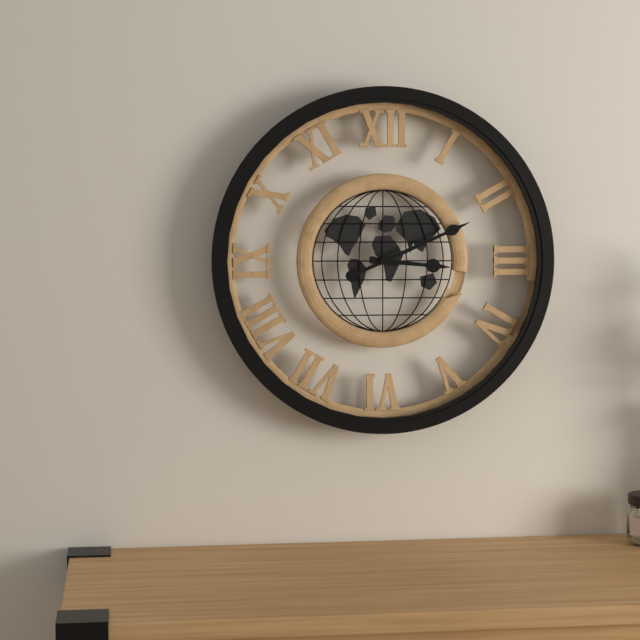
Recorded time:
3h11
